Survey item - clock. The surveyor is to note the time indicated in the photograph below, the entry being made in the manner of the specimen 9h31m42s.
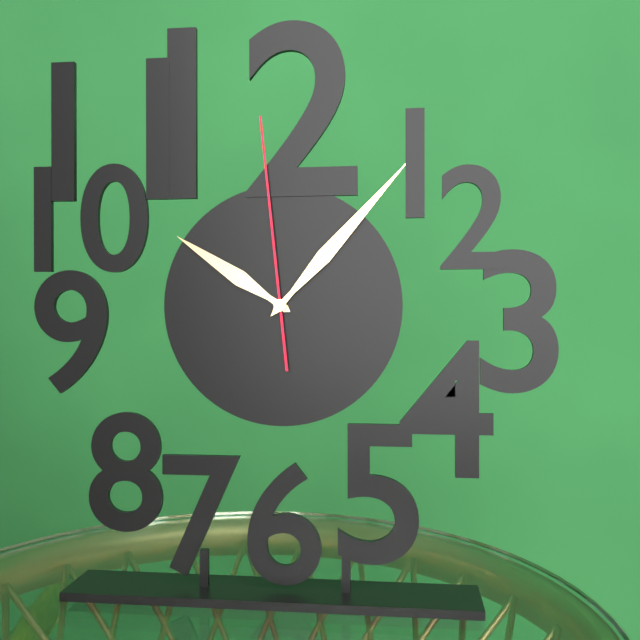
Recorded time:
10h07m59s
